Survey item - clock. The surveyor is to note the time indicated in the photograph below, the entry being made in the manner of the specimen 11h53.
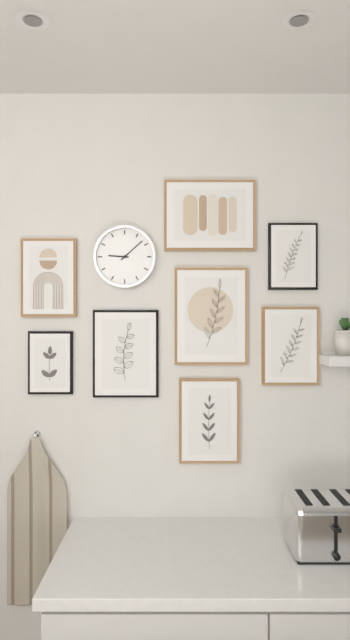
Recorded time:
9h08
